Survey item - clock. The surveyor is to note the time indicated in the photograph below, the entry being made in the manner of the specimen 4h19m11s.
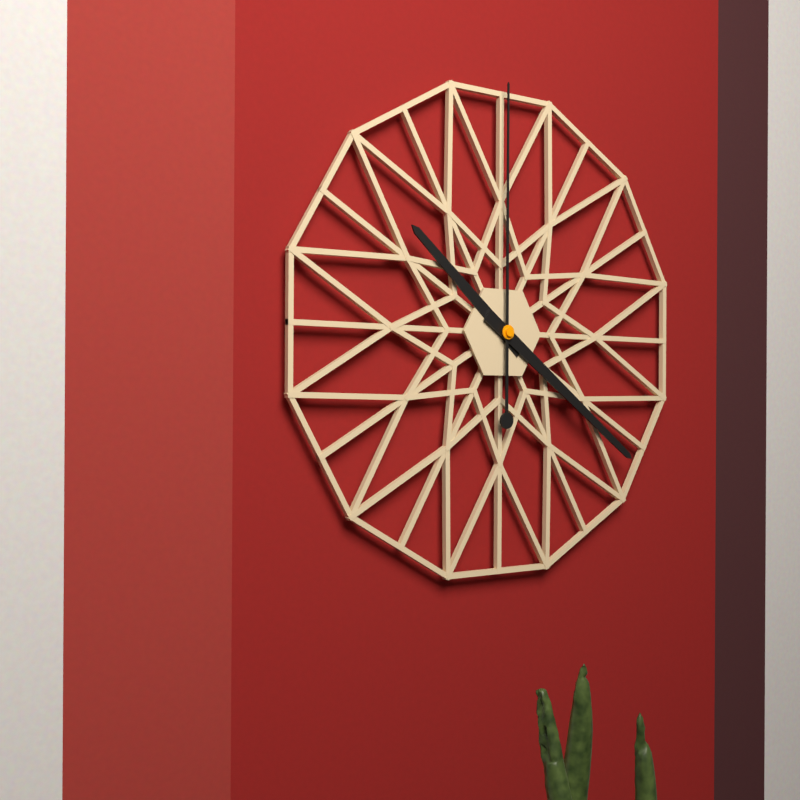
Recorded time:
10h21m00s
